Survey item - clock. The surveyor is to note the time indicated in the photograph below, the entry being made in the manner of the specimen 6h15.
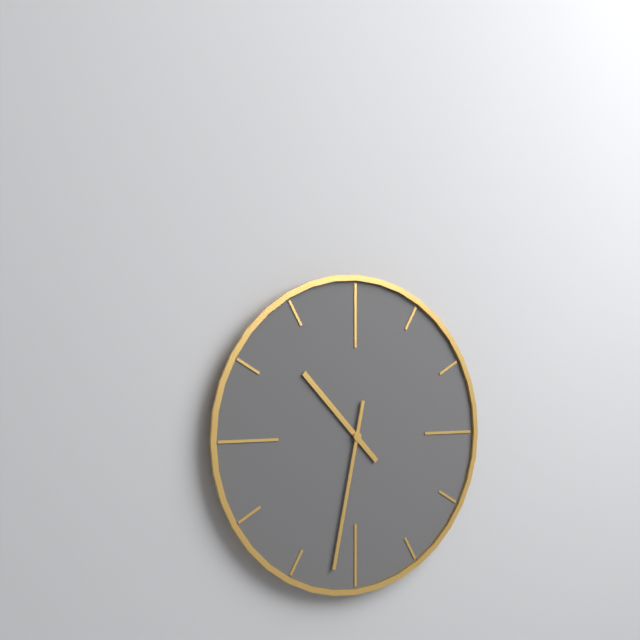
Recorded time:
10h32
